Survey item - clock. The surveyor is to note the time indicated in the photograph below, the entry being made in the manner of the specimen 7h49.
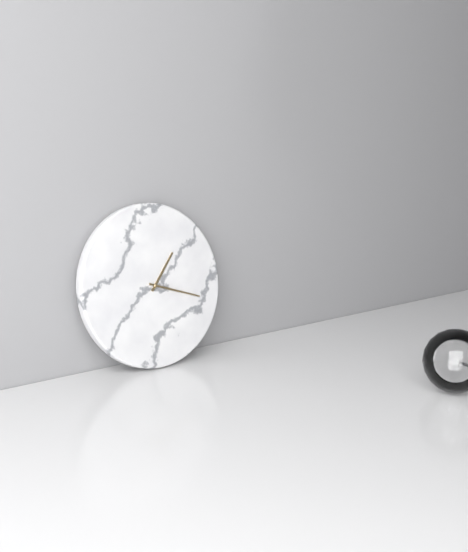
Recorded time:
1h18
